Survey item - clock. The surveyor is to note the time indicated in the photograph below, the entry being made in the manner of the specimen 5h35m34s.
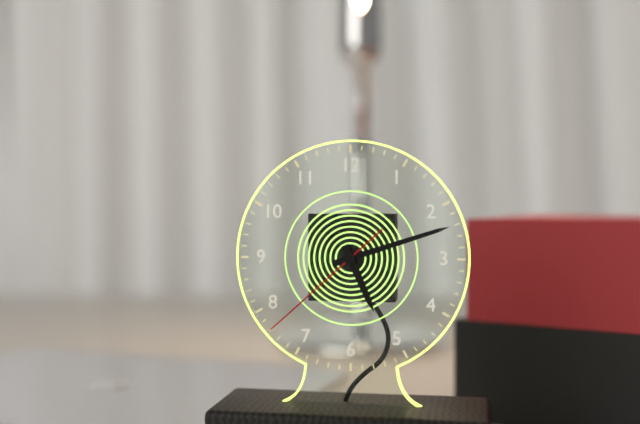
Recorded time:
5h12m38s
